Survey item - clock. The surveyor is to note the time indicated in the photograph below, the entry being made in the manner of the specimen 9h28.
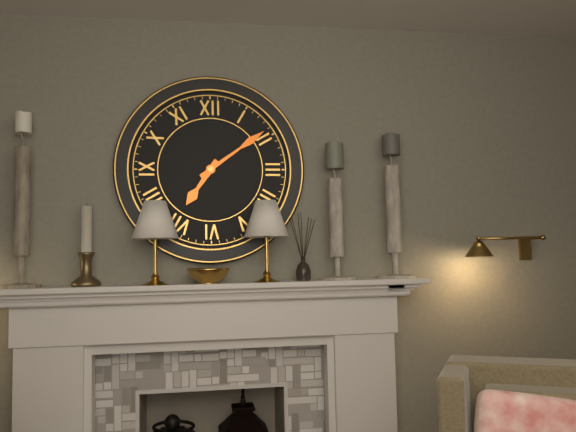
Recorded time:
7h09
